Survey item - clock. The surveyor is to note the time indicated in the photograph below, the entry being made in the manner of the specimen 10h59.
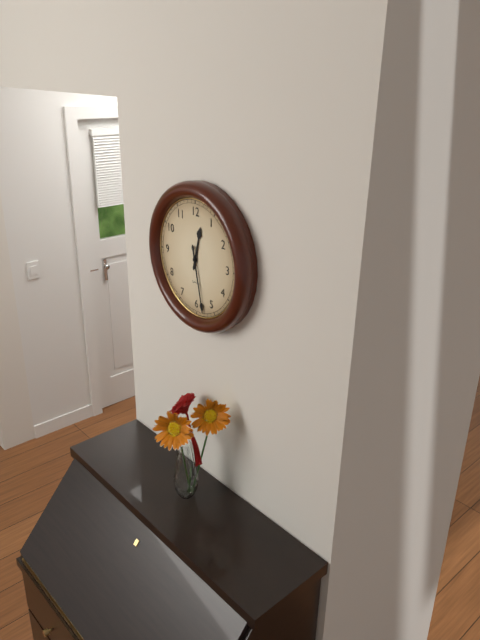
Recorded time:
12h28
